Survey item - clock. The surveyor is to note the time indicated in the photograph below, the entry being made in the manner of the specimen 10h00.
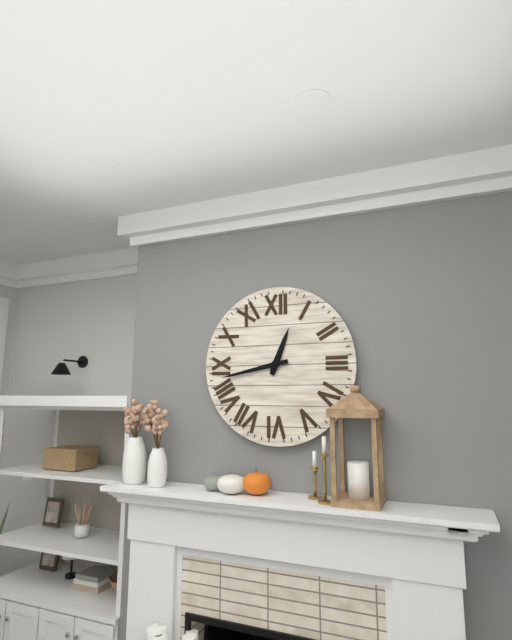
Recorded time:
12h43
